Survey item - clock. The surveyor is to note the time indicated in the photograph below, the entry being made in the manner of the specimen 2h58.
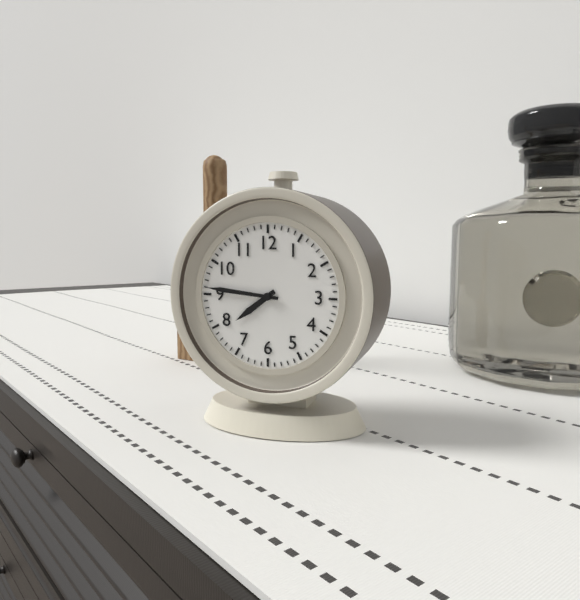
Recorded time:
7h46
